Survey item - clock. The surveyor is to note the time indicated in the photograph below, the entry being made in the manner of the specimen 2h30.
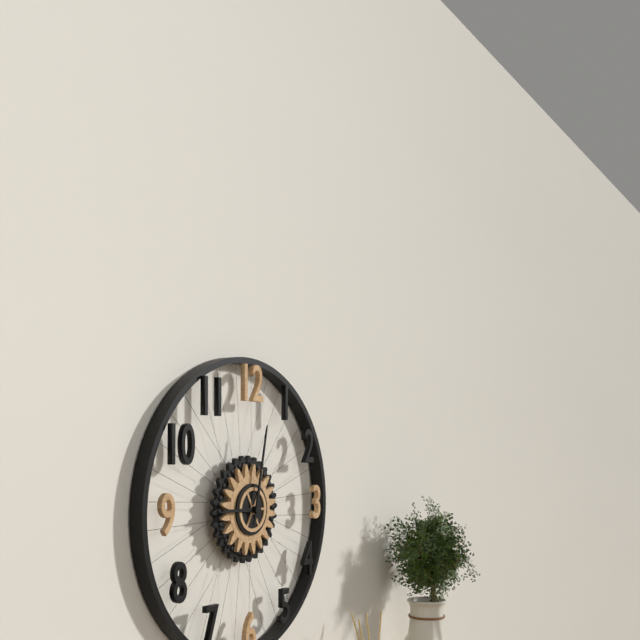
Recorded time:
9h02
